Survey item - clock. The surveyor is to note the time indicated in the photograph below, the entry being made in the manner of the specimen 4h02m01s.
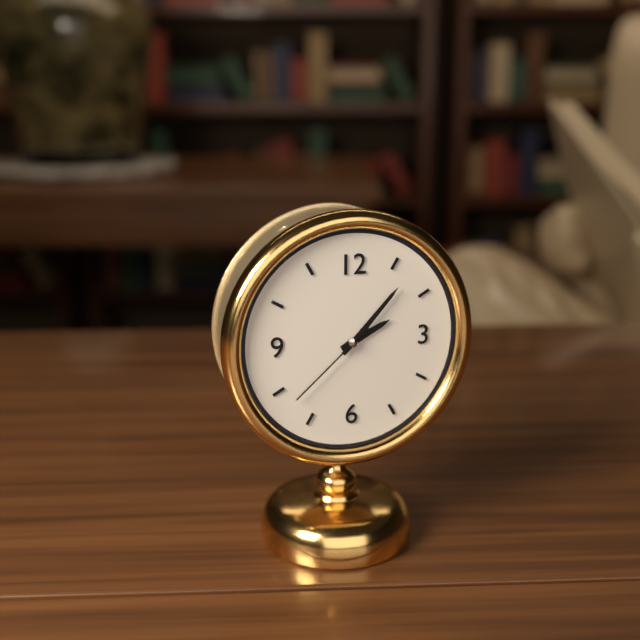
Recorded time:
2h07m38s
